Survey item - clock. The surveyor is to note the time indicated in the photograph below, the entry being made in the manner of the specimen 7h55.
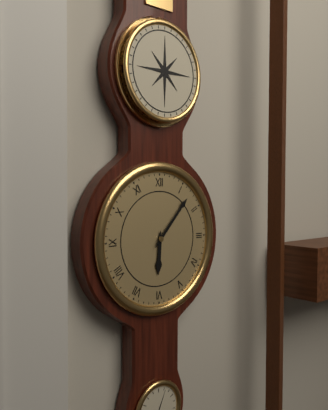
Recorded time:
6h07
